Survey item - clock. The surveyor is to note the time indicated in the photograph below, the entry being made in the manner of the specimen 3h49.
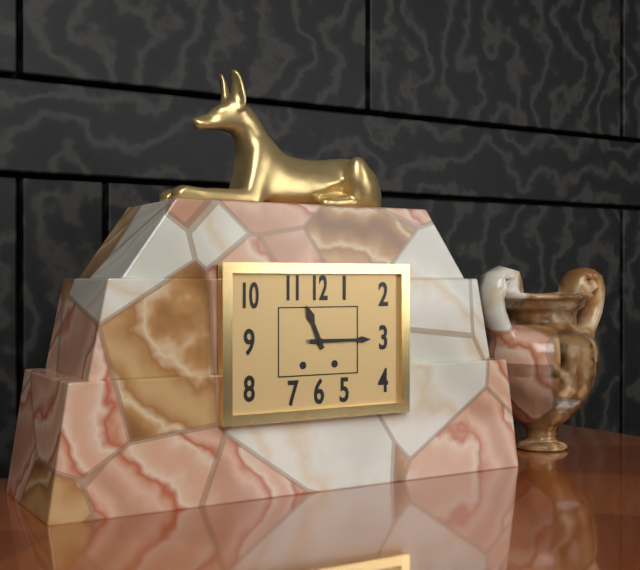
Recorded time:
11h15
